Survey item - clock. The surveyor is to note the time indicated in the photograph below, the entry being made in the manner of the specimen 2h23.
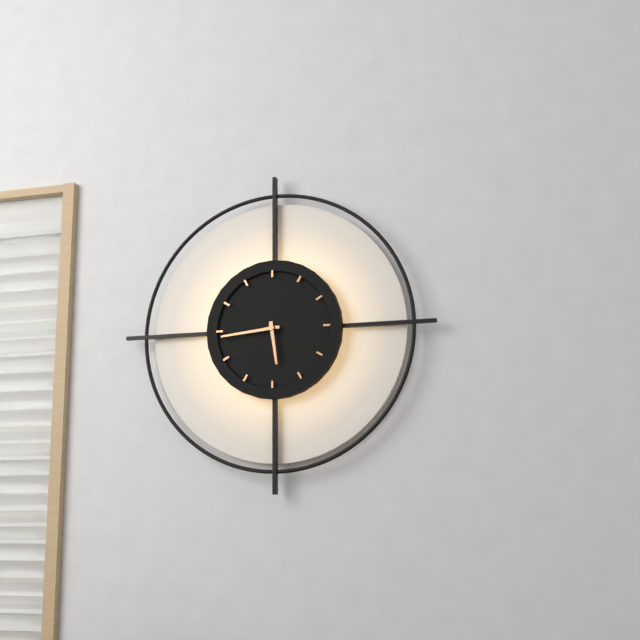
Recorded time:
5h44
